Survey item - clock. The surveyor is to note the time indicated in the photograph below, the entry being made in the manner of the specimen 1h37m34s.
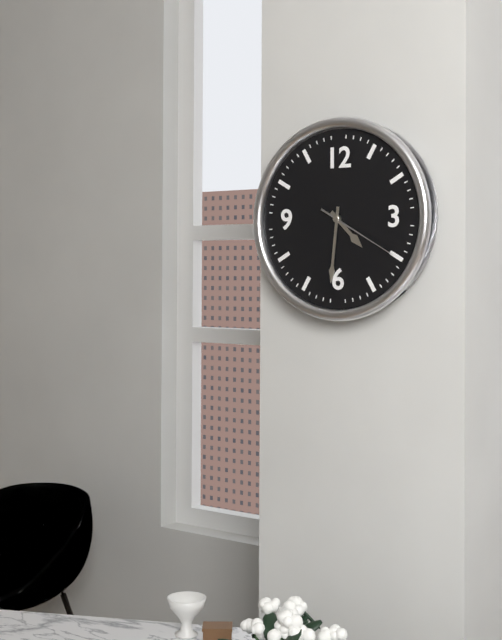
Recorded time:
4h31m20s
